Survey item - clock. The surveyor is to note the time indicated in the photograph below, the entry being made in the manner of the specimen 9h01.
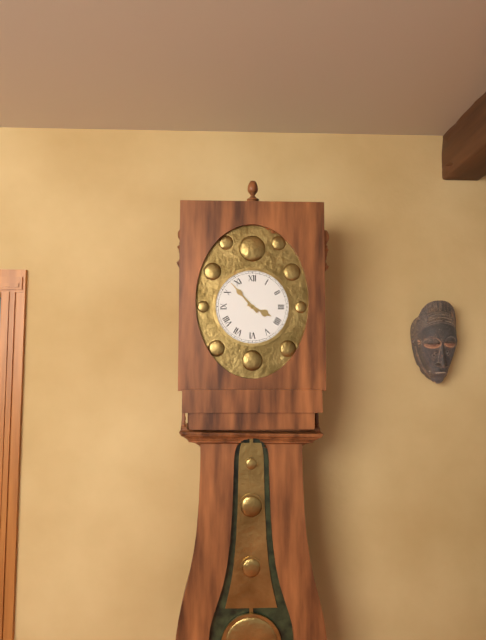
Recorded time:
3h53
